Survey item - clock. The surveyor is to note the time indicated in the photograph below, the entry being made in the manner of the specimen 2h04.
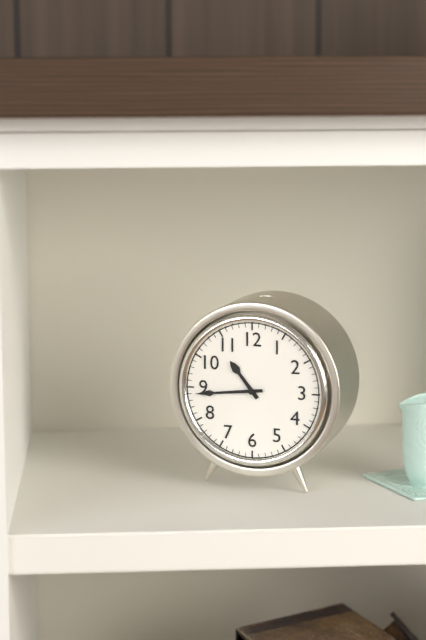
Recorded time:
10h44
